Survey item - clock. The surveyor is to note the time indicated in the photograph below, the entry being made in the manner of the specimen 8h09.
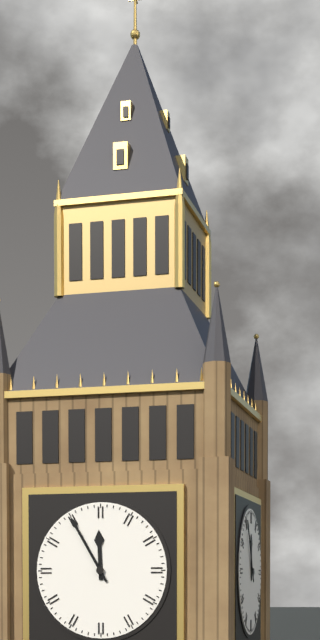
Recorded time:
11h55
